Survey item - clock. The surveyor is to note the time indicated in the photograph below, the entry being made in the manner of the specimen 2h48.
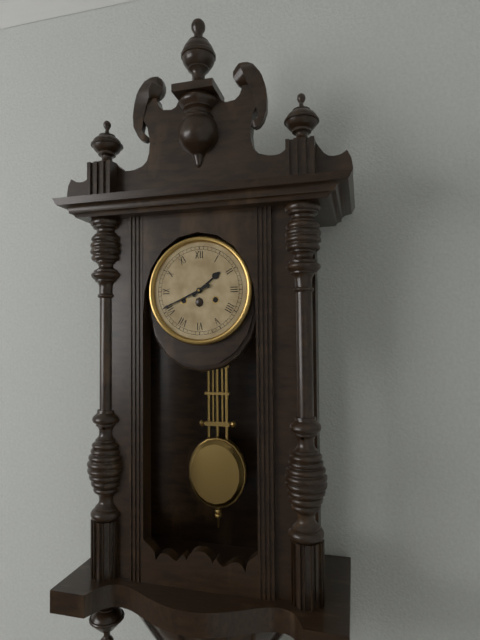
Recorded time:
1h41
